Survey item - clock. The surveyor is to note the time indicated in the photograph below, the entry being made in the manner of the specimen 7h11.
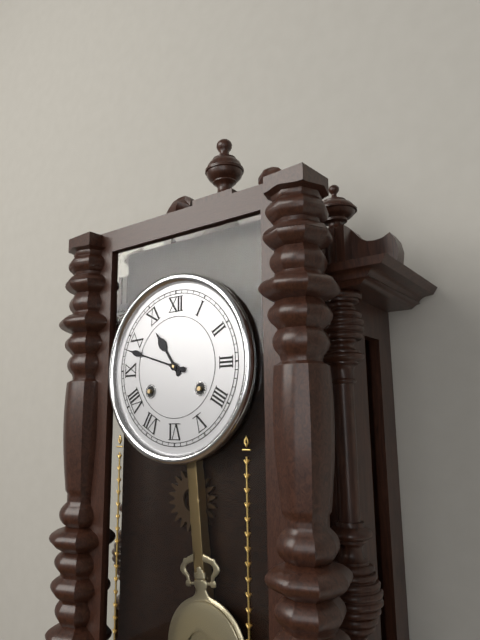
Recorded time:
10h48
